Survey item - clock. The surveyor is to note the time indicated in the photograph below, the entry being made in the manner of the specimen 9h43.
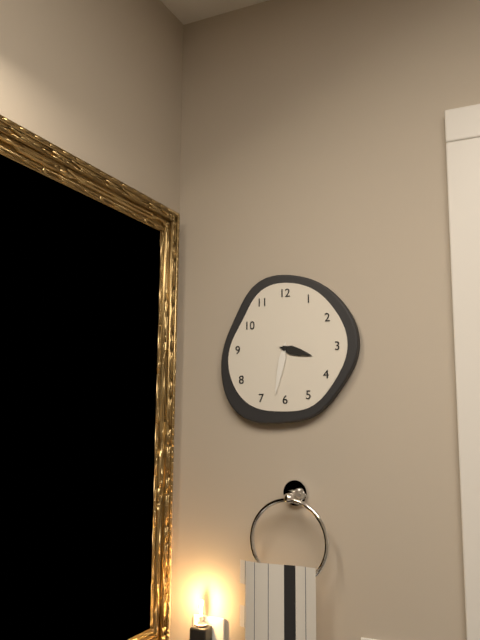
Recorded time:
3h32
